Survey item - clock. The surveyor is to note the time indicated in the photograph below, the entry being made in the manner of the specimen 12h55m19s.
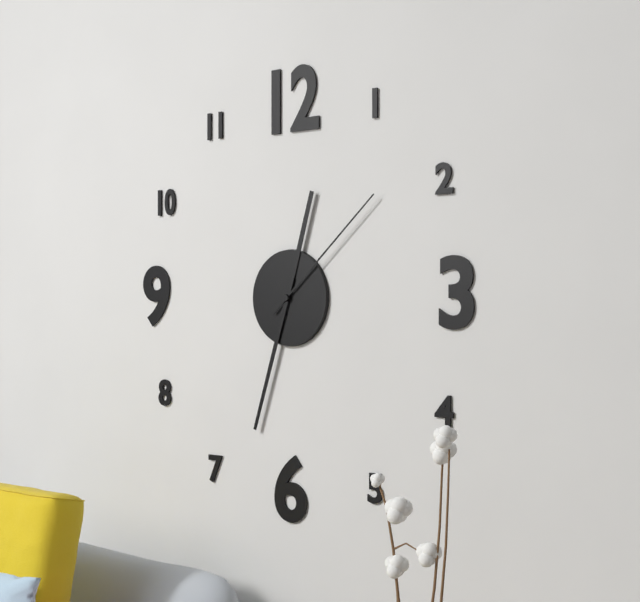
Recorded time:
12h33m08s
